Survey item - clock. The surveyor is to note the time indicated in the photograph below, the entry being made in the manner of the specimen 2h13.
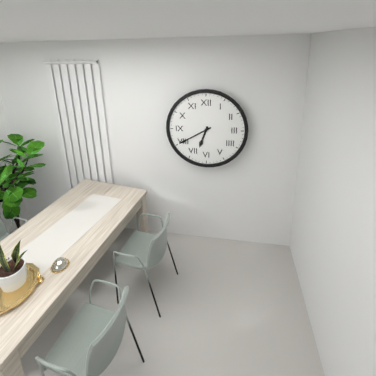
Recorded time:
6h40
